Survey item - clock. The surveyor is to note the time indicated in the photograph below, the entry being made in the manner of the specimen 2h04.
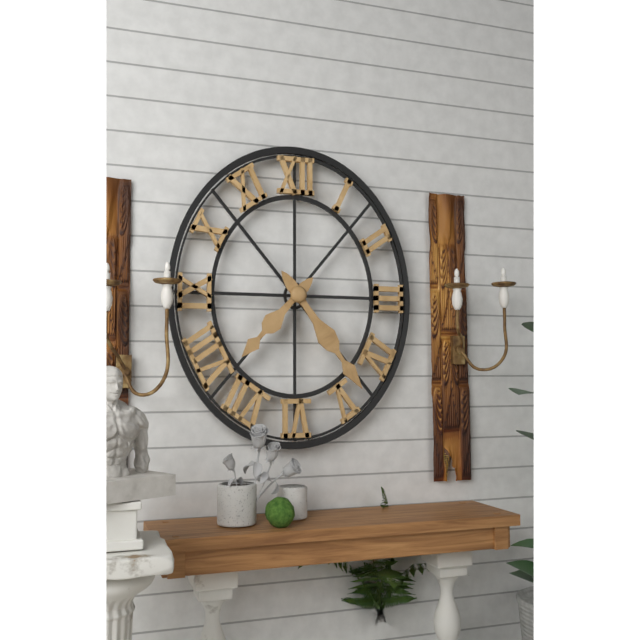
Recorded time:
7h24
